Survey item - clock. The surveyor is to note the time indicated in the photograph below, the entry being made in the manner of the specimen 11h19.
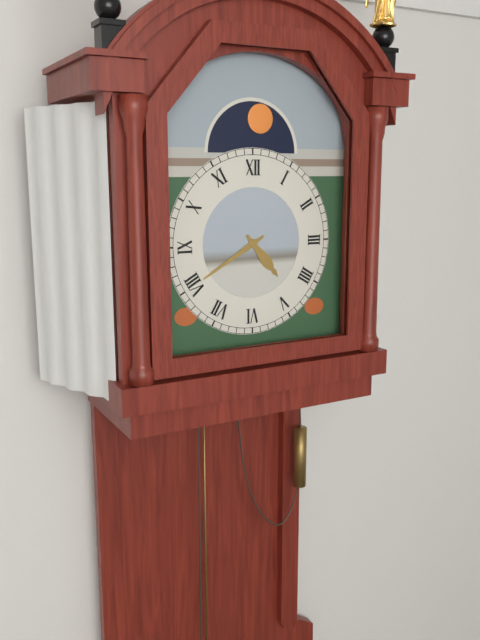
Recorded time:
4h40
